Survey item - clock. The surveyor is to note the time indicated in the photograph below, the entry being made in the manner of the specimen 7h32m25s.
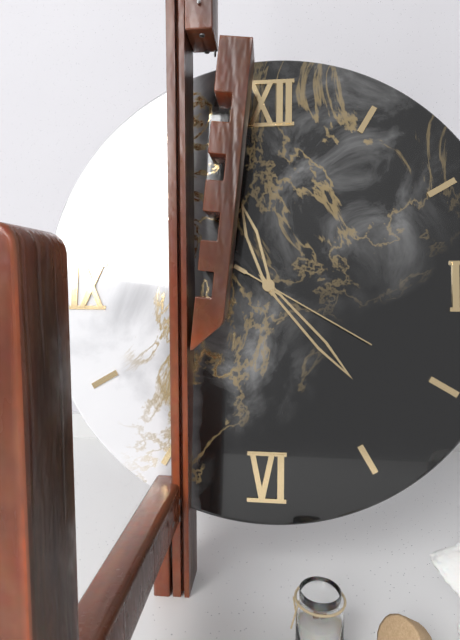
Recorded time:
11h23m20s
